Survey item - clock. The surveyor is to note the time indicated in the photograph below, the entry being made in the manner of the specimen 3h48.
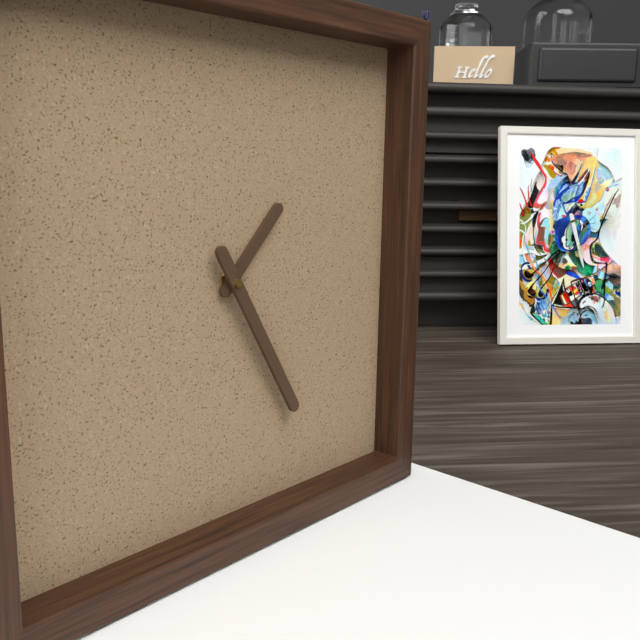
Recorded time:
1h25
